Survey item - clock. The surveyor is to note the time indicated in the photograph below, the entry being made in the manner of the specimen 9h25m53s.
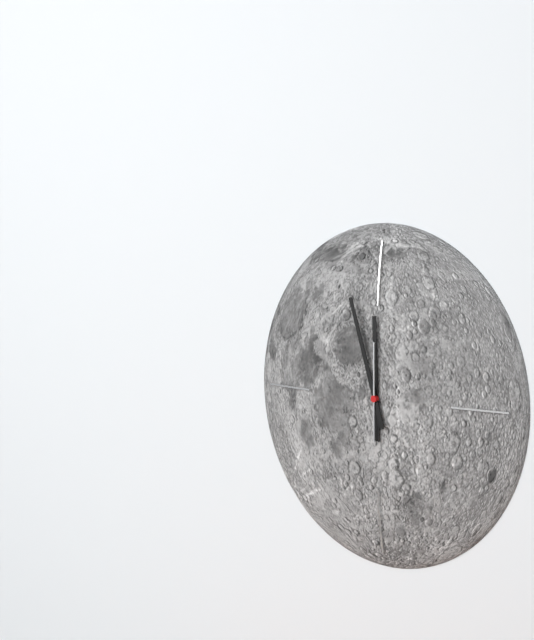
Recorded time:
11h57m00s
